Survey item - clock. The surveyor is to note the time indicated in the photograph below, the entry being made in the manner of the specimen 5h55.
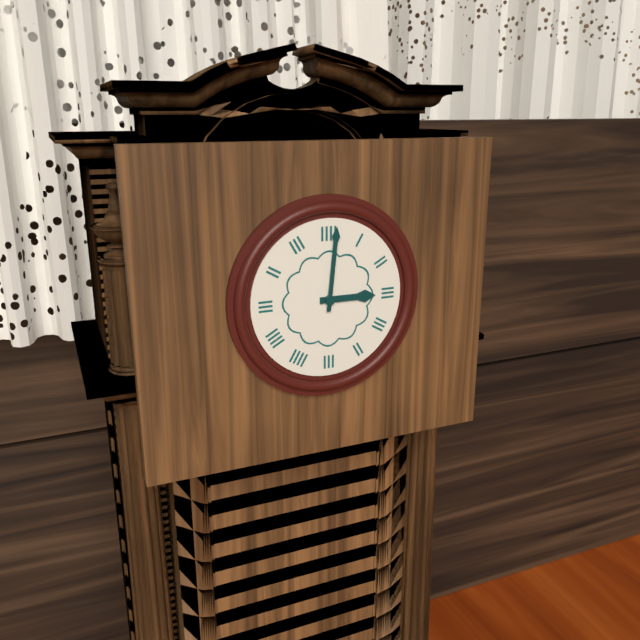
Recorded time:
3h01
